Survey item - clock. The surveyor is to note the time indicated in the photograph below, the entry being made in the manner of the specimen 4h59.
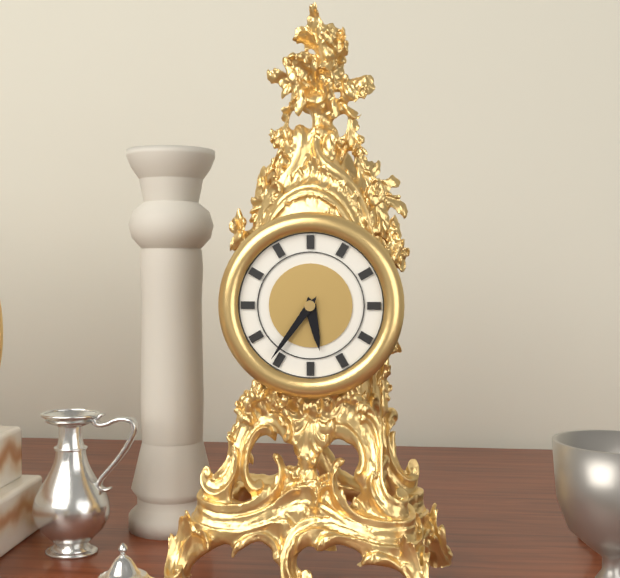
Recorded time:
5h36
